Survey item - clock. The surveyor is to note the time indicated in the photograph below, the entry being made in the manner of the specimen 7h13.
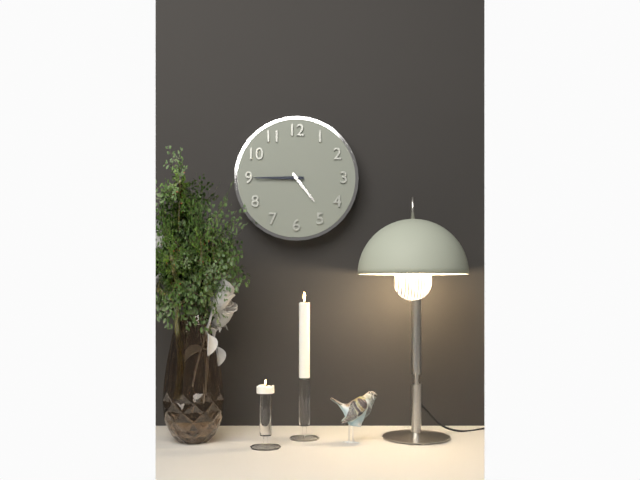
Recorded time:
4h45
